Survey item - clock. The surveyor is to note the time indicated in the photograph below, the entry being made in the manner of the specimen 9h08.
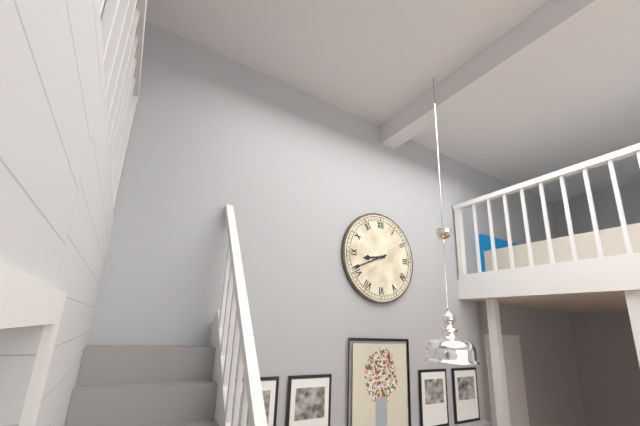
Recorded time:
8h41
